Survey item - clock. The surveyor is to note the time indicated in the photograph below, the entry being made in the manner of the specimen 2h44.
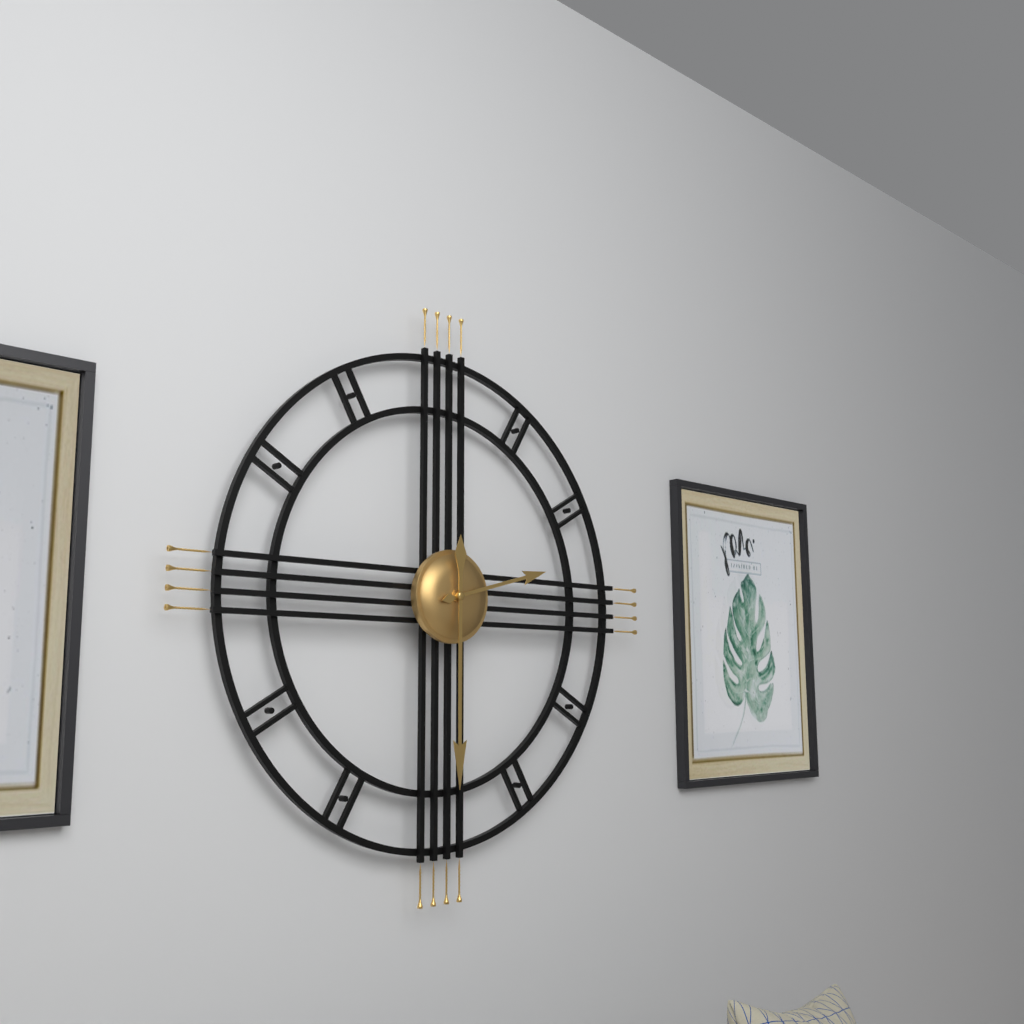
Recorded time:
2h30
